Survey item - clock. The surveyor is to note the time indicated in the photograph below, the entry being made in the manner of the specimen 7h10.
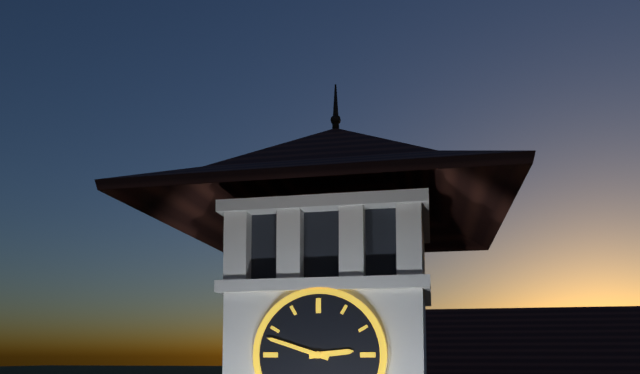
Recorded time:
2h48
